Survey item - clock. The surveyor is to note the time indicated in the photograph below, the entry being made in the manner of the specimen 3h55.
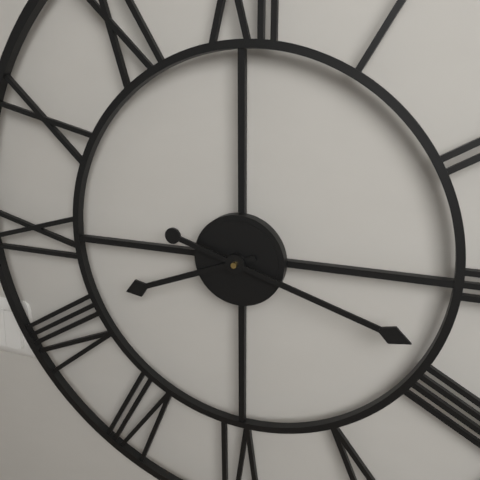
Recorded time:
8h18
